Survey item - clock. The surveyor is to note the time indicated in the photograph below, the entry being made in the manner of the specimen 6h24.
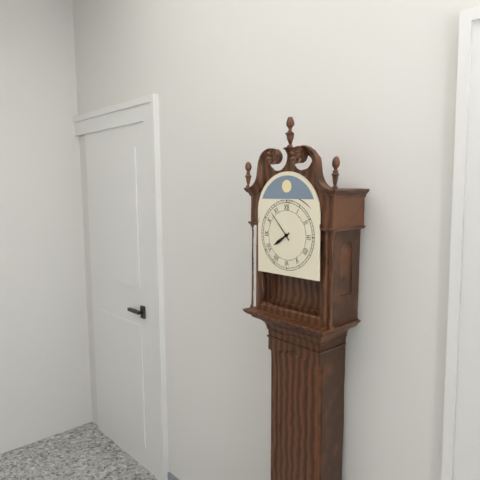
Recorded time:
7h53
